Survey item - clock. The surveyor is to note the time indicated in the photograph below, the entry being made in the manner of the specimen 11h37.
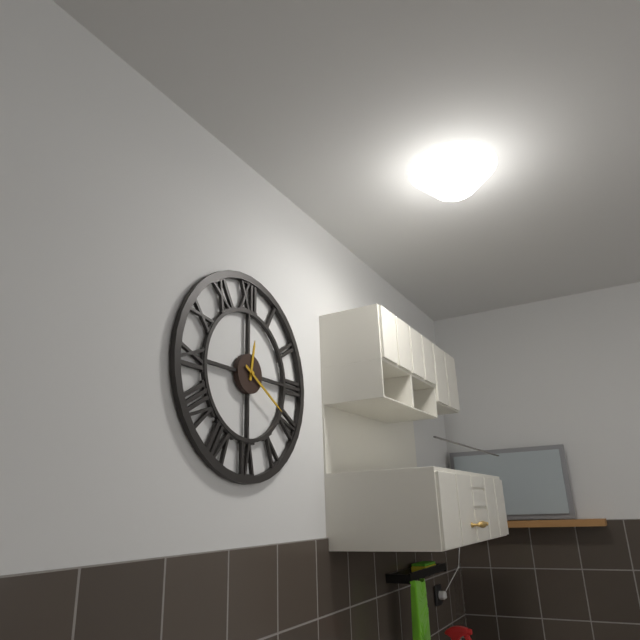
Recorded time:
12h20
